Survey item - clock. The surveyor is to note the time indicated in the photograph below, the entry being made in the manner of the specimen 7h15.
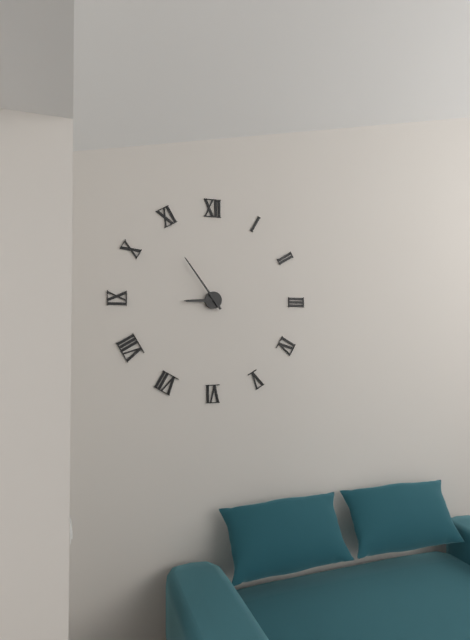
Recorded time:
8h54
